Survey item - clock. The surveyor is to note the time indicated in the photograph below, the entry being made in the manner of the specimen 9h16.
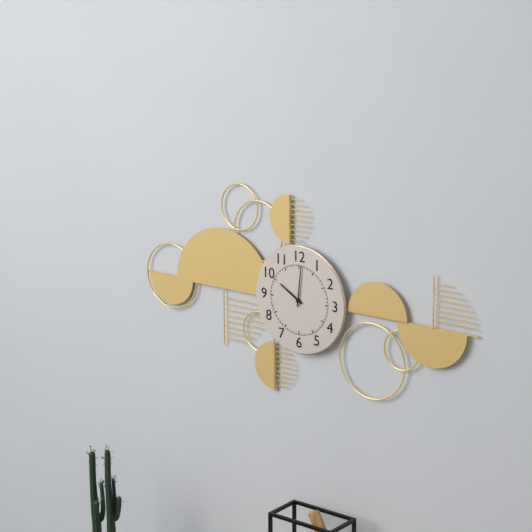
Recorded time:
10h01
